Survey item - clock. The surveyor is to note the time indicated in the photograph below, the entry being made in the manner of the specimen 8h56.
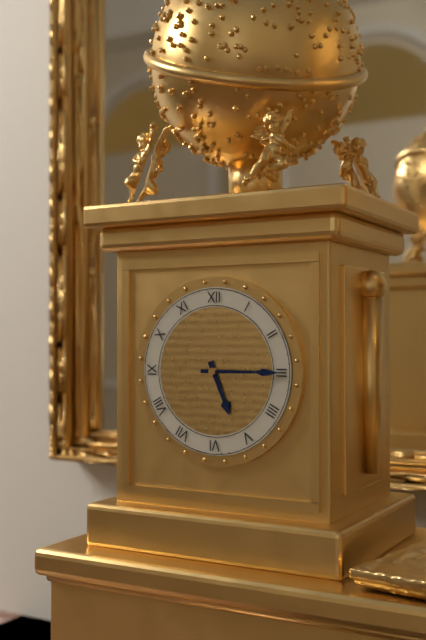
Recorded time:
5h15
